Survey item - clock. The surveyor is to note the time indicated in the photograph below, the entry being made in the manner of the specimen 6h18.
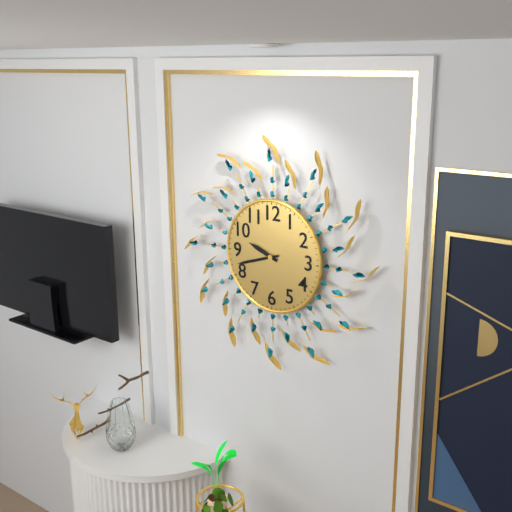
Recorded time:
9h42
